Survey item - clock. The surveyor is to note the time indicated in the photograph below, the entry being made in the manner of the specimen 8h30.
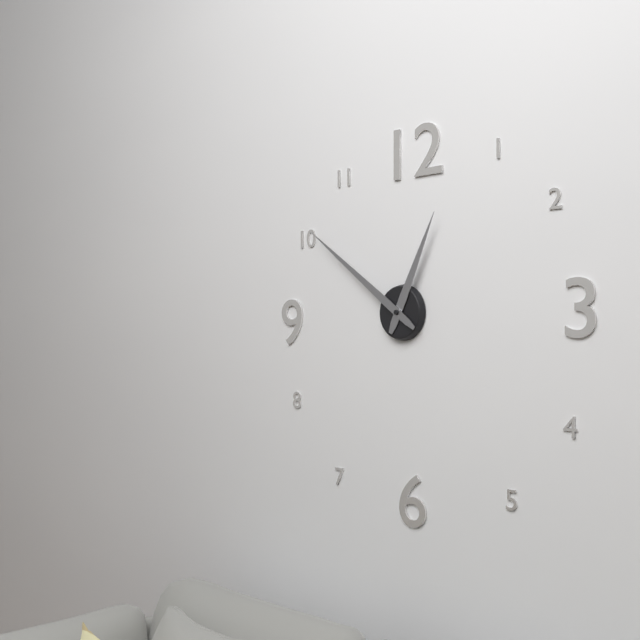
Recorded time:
12h51
